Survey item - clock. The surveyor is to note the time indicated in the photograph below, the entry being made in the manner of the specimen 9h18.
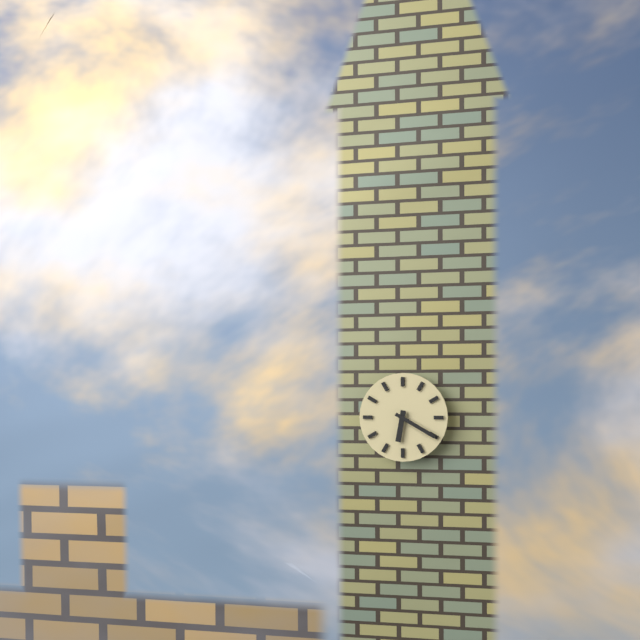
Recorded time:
6h20
